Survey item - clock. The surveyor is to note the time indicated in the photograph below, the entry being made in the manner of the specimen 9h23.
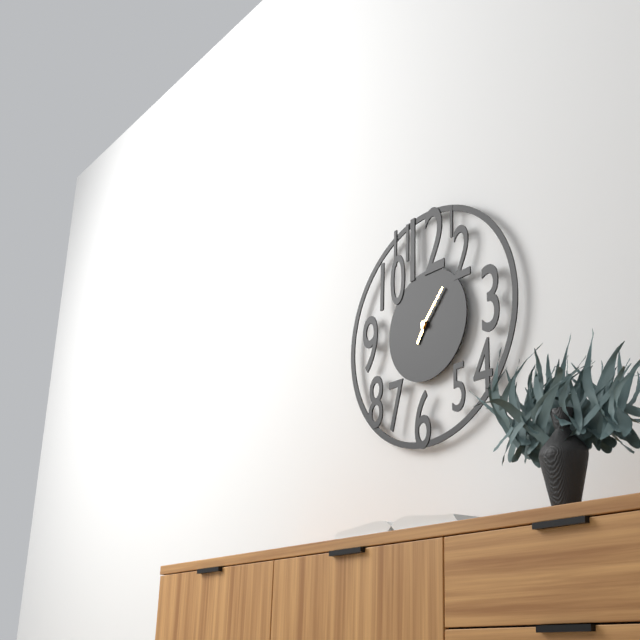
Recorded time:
7h07
